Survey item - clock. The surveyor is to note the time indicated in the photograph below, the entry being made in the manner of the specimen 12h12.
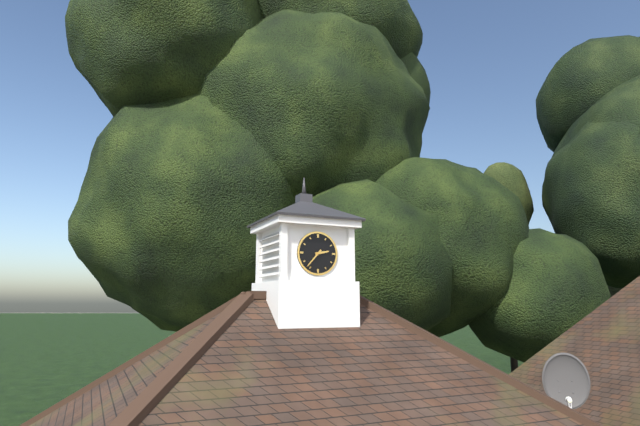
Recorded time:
2h37
